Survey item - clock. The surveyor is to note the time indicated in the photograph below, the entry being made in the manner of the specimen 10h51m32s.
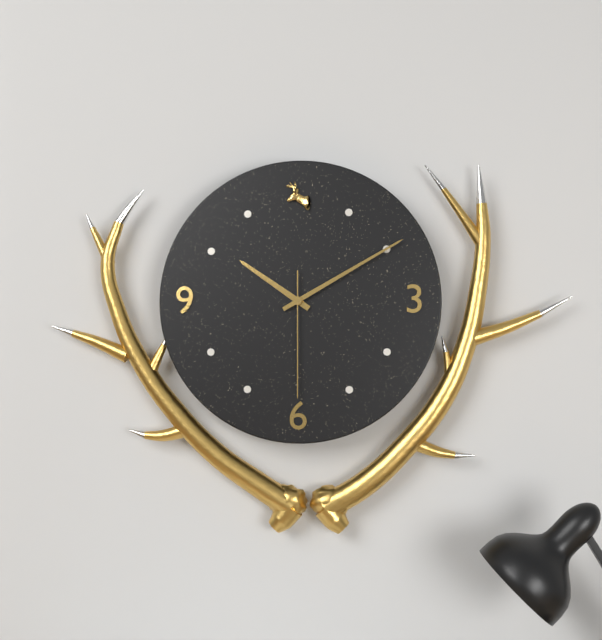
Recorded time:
10h10m30s
